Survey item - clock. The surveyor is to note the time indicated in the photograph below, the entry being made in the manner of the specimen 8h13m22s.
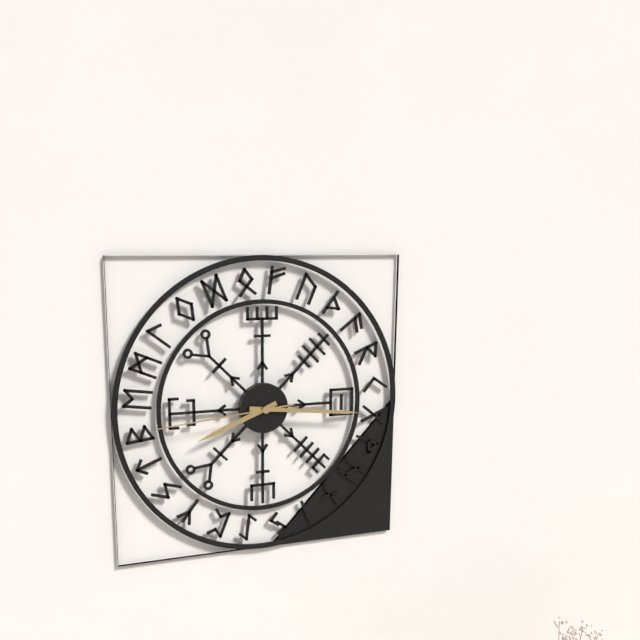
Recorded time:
8h16m44s
